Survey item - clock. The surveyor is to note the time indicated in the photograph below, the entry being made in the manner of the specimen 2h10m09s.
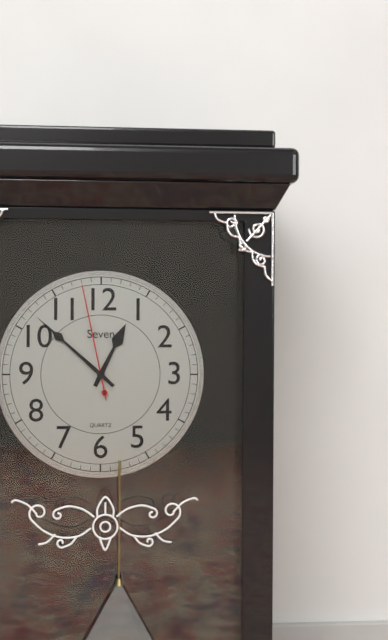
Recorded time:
12h52m58s
